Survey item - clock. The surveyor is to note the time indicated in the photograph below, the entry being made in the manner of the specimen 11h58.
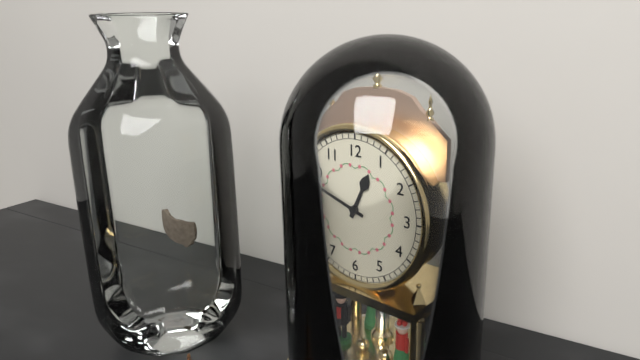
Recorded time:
12h48
